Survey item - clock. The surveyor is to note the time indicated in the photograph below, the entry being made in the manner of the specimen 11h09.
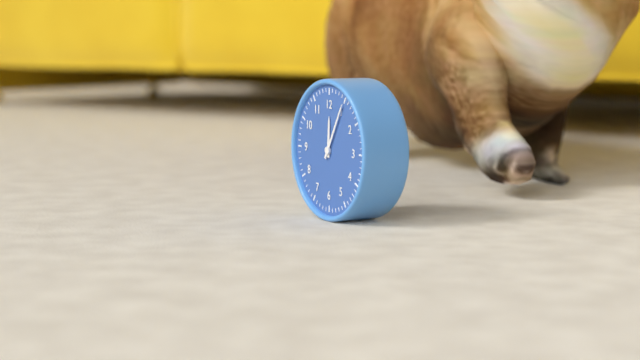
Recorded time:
12h05
